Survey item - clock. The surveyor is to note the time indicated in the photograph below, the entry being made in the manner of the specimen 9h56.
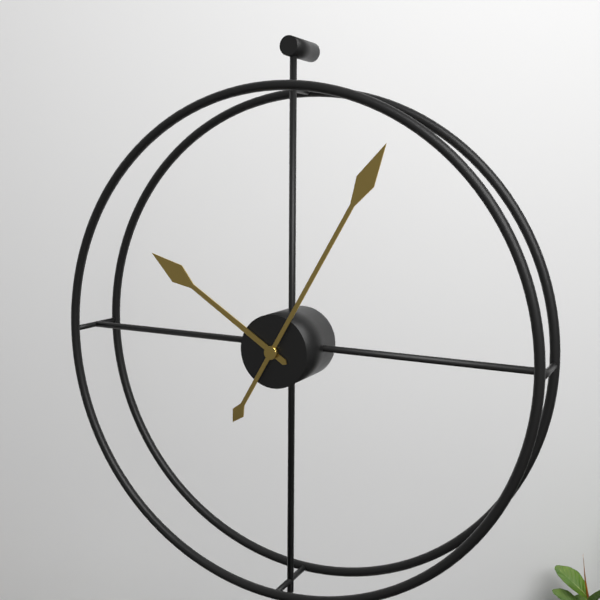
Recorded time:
10h05
